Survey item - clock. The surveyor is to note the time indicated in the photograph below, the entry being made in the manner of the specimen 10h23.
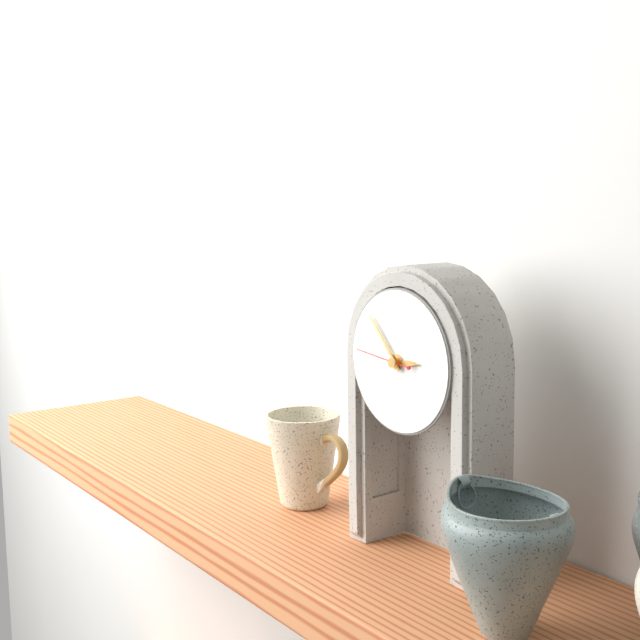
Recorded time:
2h53
